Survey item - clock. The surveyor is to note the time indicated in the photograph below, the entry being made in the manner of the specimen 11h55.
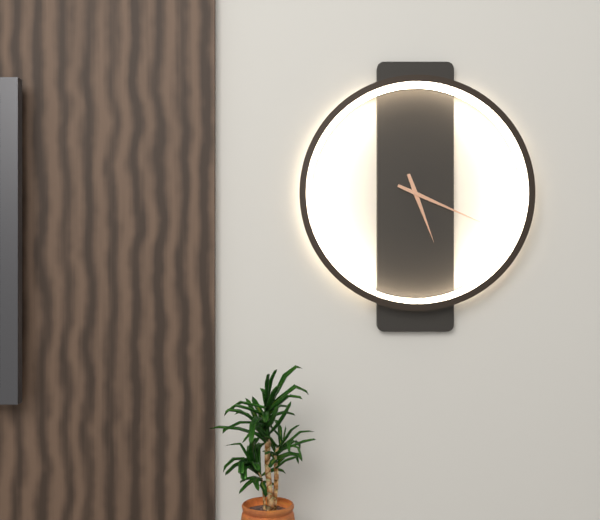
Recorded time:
5h19
